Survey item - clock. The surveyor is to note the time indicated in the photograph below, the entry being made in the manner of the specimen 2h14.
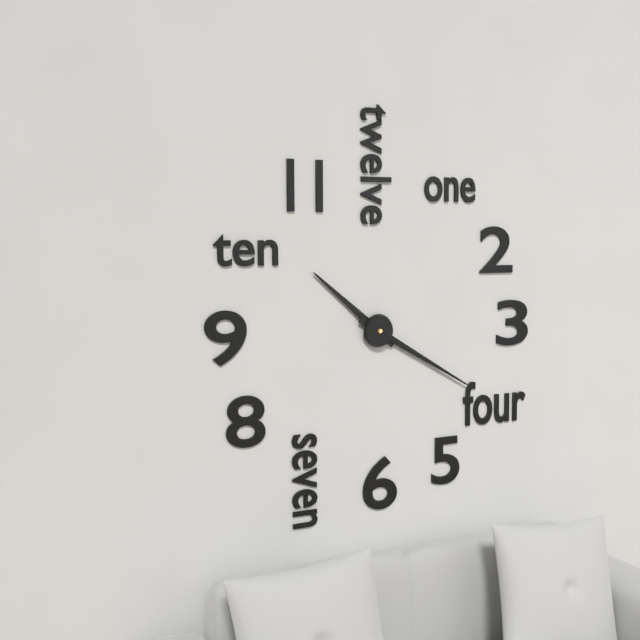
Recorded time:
10h20
